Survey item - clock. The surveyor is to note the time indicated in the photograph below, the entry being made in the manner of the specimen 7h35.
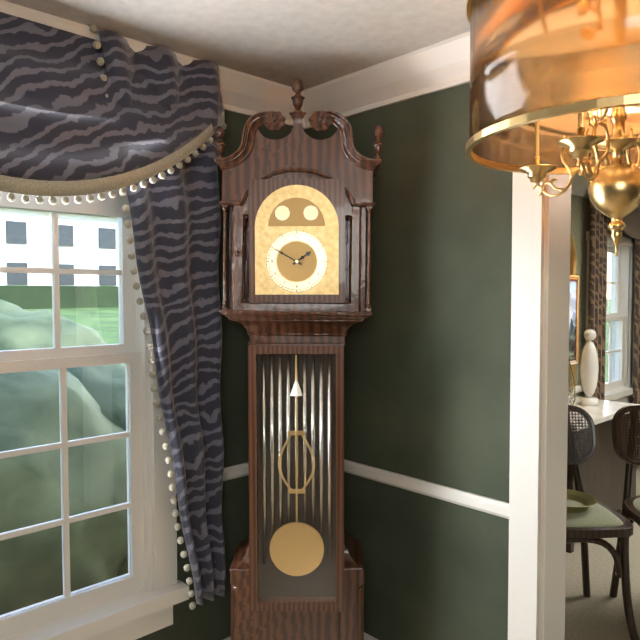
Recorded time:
1h50
